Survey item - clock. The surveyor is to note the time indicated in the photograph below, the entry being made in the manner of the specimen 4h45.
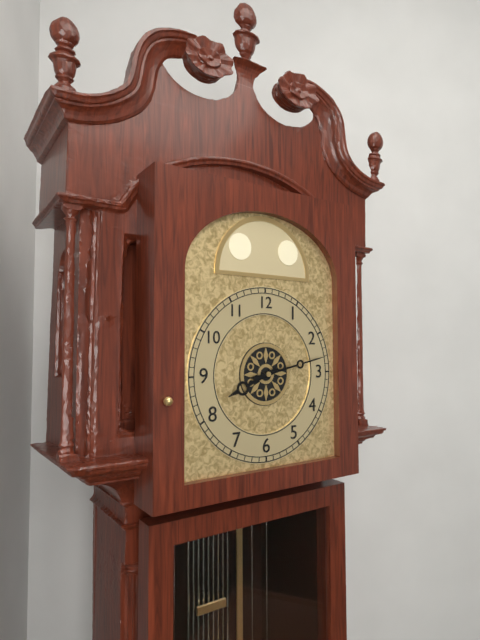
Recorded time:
8h13
